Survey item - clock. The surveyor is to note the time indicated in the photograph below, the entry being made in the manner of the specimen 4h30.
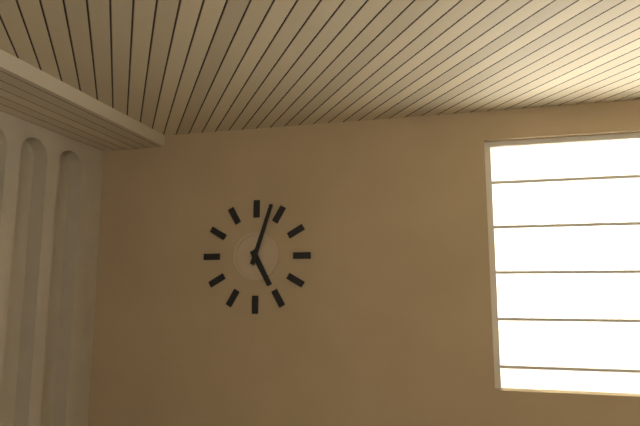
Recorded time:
5h03
